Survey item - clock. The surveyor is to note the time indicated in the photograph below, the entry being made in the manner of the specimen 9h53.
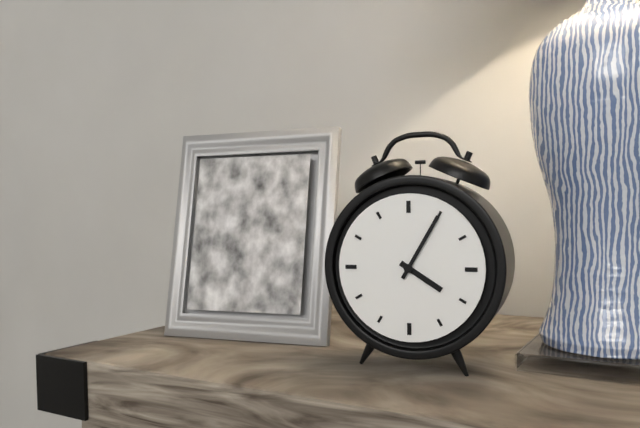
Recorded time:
4h05
